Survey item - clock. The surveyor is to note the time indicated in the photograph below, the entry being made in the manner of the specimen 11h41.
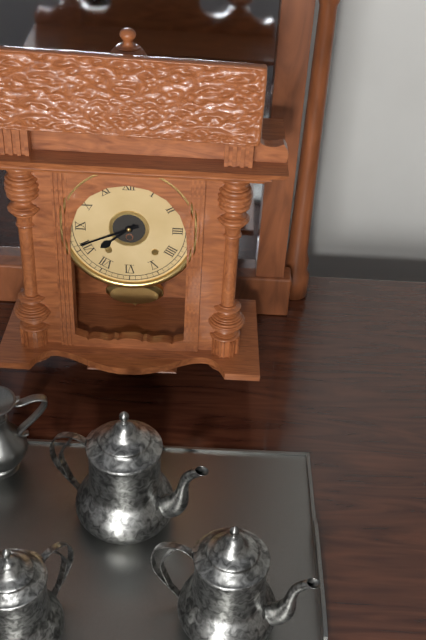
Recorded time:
7h41
